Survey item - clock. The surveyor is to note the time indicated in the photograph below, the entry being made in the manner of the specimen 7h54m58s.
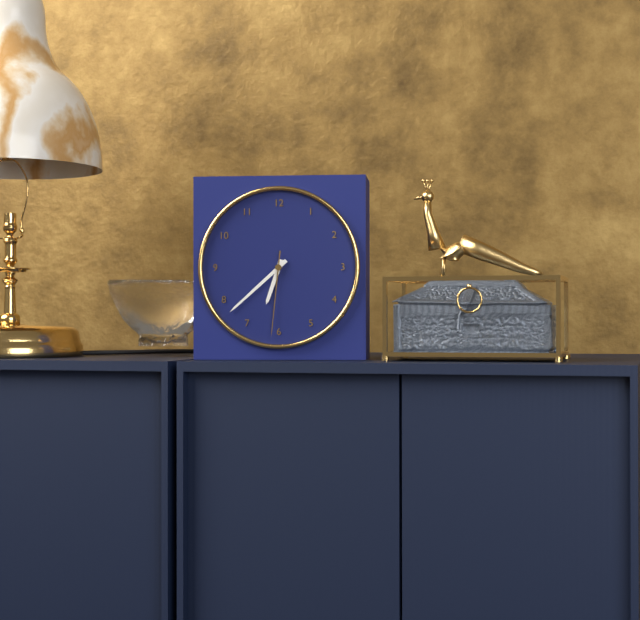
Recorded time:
6h38m31s
